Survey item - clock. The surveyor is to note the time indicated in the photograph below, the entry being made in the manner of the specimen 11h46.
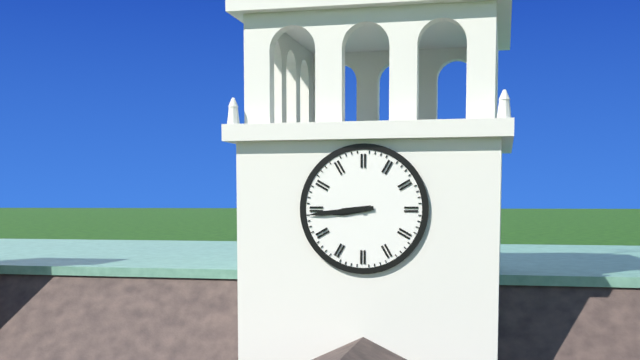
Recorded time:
8h44
